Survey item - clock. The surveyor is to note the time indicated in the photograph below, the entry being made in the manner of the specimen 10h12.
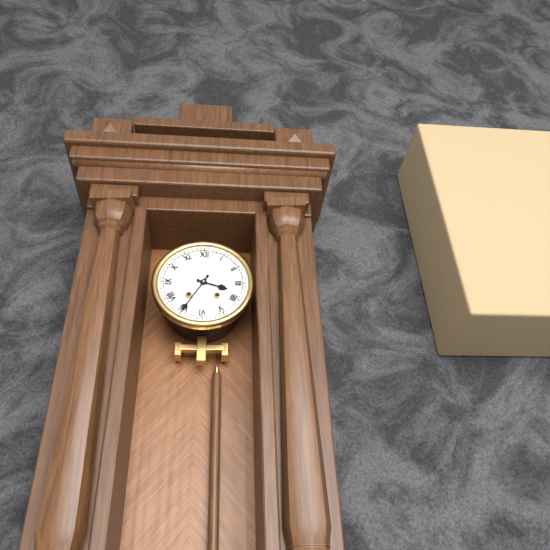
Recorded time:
3h35
